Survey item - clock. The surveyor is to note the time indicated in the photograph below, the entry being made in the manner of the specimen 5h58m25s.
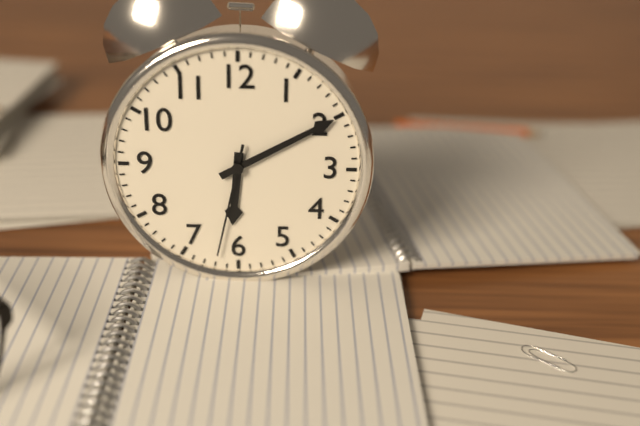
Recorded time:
6h10m32s
